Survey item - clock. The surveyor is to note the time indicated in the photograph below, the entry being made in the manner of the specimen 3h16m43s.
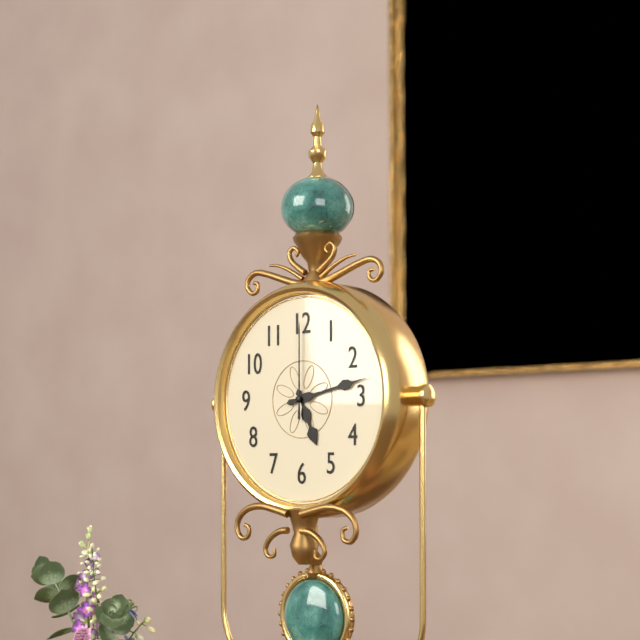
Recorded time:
5h13m00s
